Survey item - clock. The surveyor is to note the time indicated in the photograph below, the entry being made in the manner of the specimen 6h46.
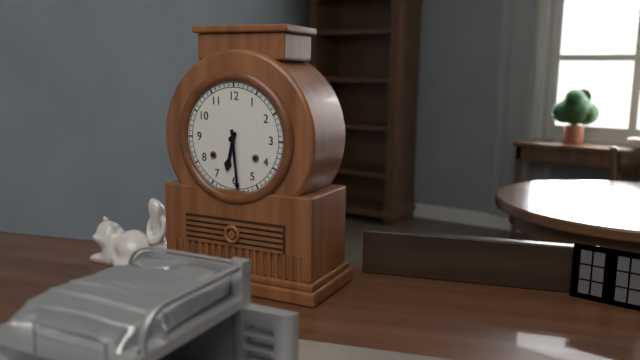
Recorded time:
6h29
